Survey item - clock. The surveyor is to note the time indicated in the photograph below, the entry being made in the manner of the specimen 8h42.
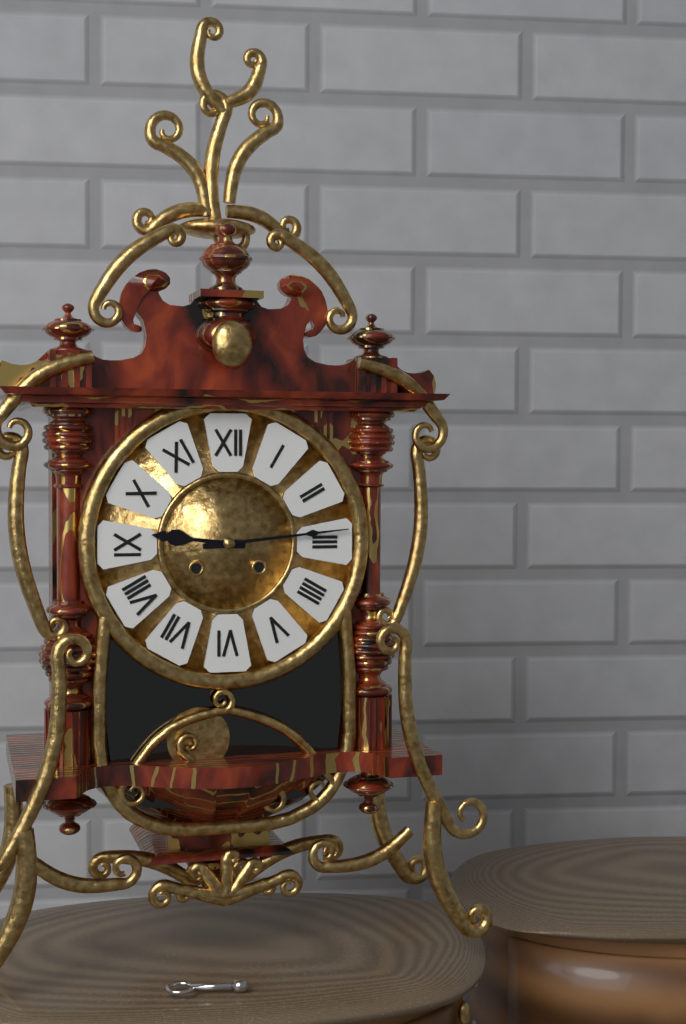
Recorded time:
9h14
